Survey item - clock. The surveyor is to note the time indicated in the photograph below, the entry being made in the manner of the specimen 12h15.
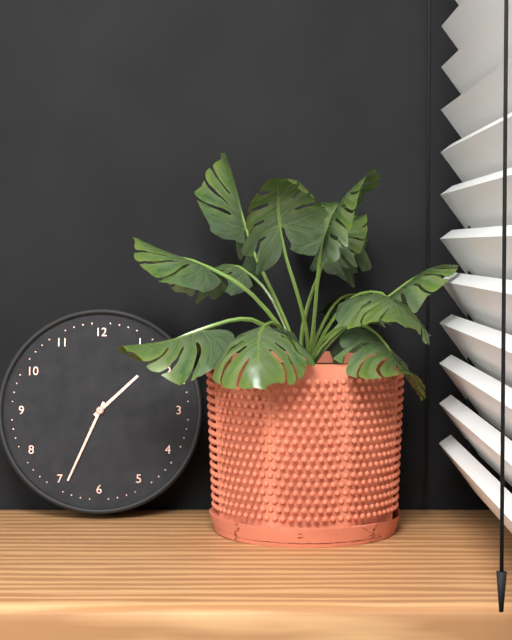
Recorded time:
1h34
